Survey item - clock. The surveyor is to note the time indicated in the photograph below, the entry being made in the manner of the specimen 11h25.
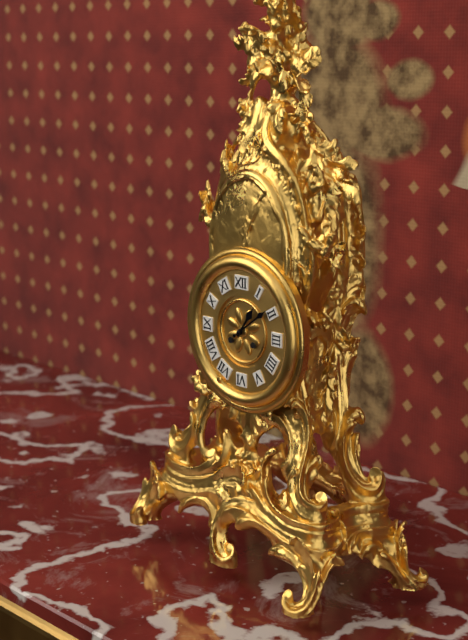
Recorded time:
1h09
